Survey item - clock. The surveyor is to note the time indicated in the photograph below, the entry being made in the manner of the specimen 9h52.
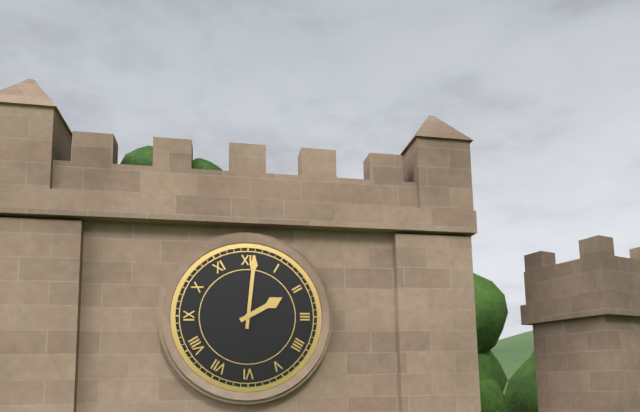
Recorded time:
2h01
